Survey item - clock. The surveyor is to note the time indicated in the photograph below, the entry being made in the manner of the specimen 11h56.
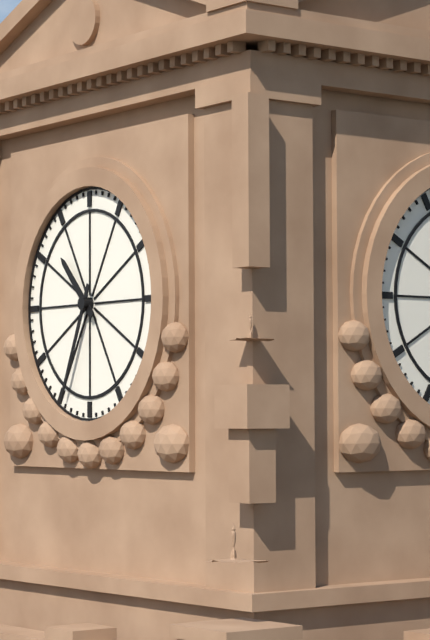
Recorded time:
10h34
